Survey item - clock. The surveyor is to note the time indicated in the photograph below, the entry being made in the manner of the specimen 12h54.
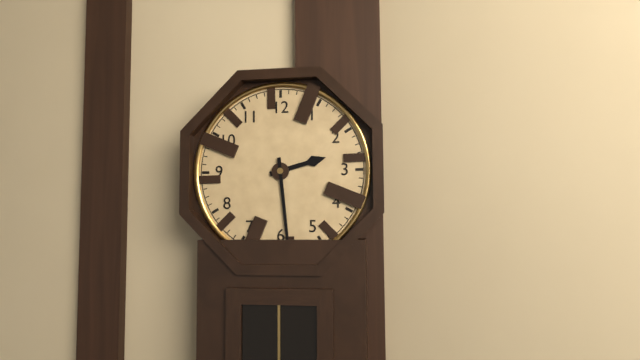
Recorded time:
2h29
